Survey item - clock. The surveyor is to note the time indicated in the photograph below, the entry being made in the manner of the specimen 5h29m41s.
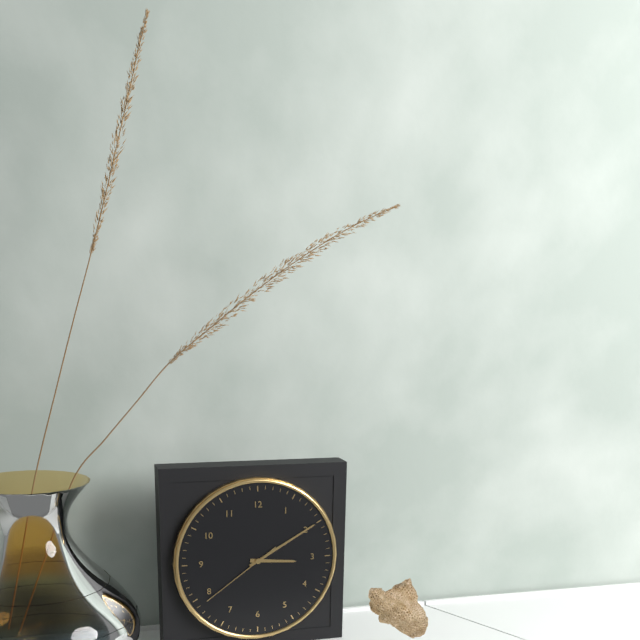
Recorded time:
3h10m39s
